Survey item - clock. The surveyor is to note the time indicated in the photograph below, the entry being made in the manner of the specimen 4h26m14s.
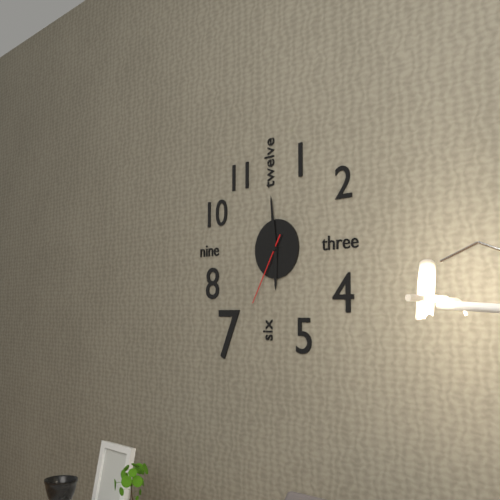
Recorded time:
5h59m35s
